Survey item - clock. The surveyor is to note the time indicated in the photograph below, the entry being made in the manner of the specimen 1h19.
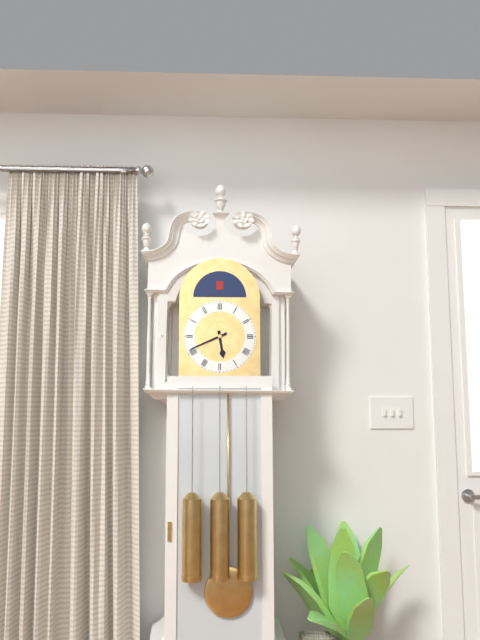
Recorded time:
5h41
